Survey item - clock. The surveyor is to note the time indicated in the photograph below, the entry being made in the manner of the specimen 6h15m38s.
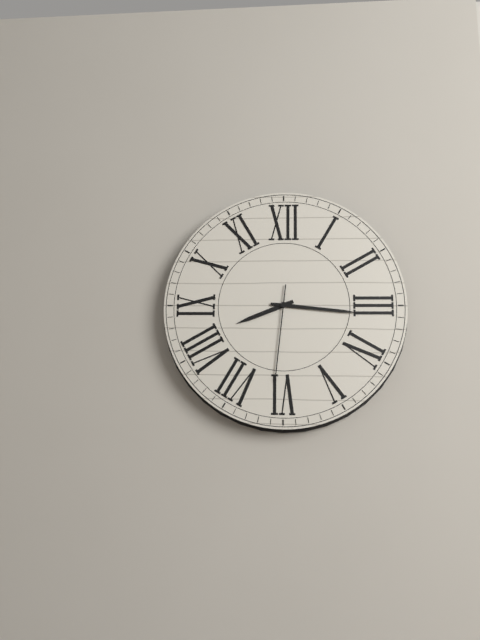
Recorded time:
8h16m31s
